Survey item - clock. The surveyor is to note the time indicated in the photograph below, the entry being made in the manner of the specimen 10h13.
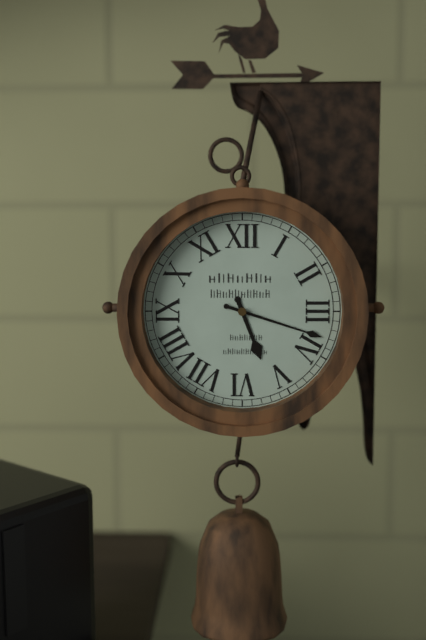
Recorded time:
5h18
